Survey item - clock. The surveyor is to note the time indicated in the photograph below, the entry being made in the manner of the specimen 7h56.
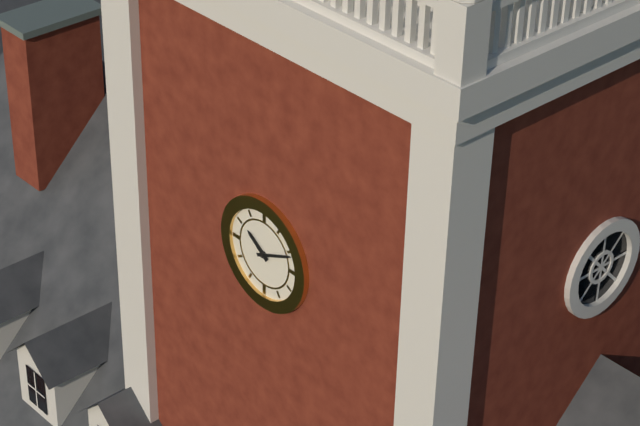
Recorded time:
10h11
